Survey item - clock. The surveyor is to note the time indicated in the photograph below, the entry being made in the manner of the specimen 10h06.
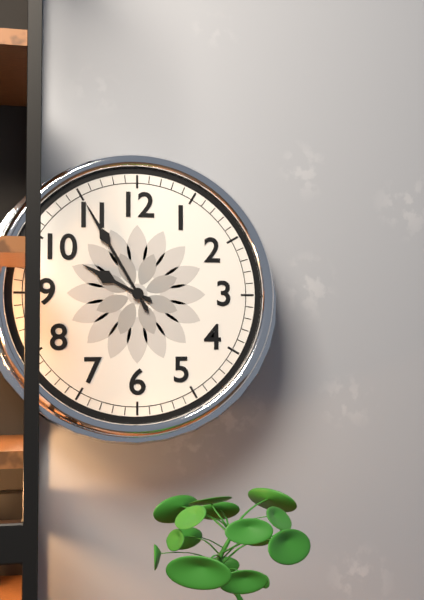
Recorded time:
9h55
